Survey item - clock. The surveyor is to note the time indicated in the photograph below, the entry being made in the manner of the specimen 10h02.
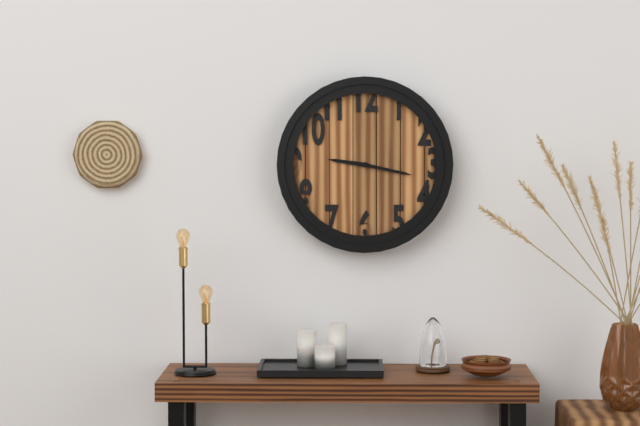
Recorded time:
9h17
